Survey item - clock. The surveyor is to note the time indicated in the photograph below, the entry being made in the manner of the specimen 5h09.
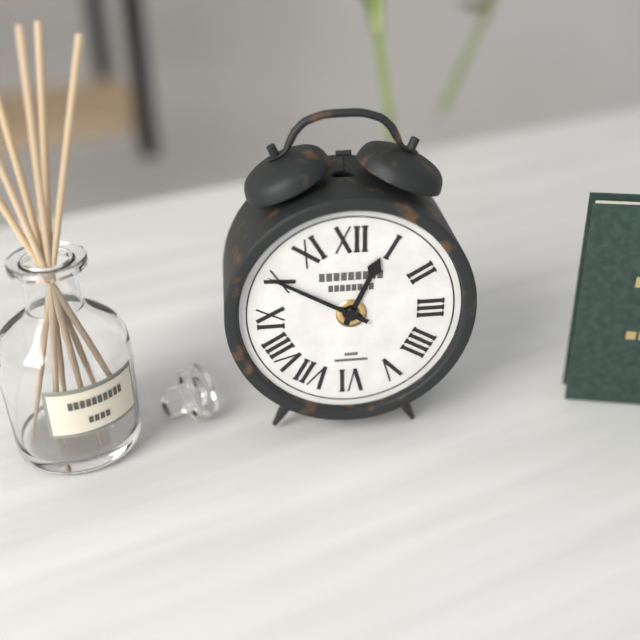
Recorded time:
12h50
